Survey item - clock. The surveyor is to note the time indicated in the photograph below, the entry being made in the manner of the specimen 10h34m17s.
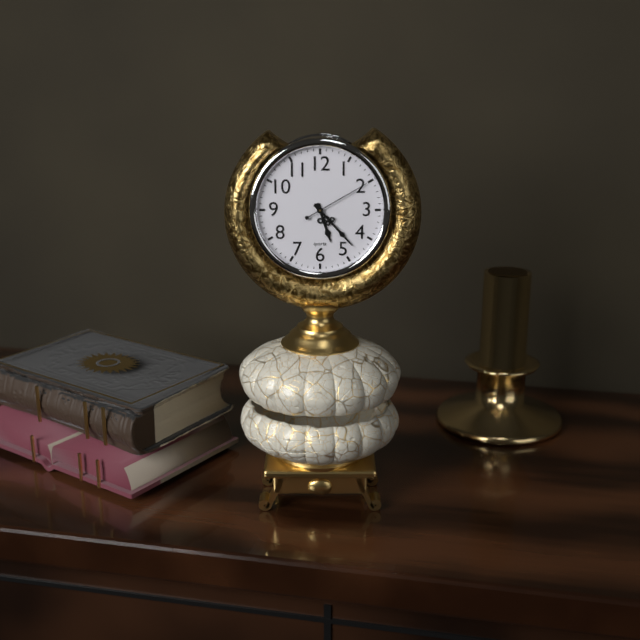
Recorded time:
5h23m10s
